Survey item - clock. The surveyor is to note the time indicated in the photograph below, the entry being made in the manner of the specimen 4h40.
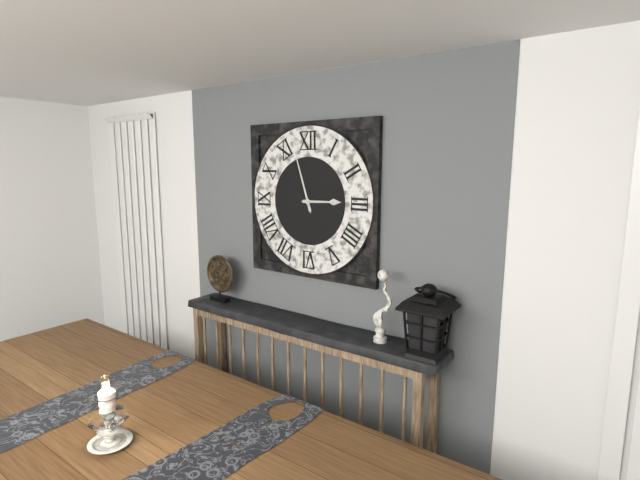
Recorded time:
2h57
